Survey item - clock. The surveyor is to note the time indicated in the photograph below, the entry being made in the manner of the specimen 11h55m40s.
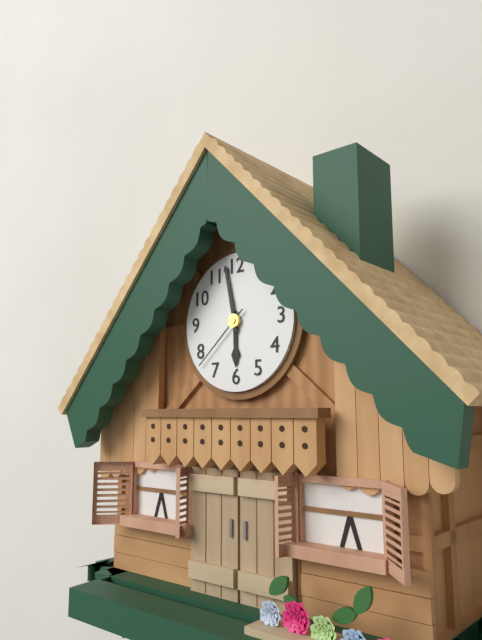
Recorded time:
5h58m38s
